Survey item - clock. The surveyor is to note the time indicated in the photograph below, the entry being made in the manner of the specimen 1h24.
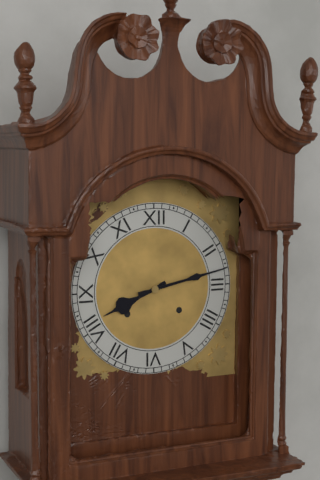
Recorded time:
8h13
